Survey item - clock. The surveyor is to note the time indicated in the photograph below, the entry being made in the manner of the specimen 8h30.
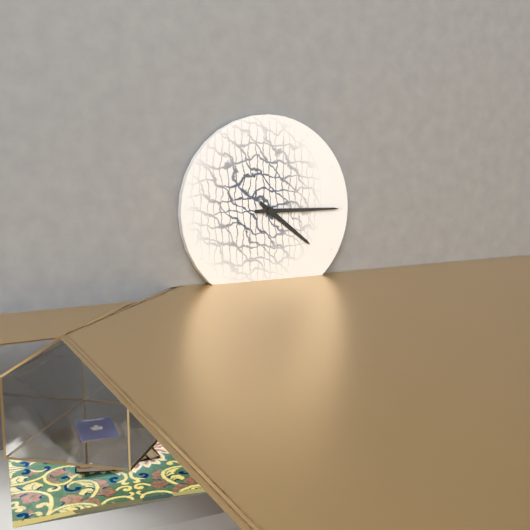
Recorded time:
4h15
